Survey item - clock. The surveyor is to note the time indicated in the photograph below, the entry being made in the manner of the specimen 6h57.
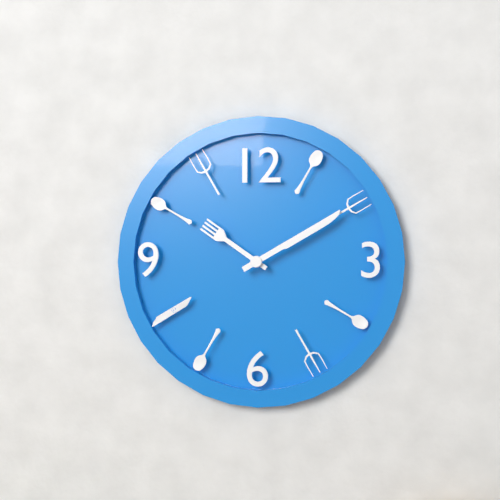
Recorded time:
10h10
